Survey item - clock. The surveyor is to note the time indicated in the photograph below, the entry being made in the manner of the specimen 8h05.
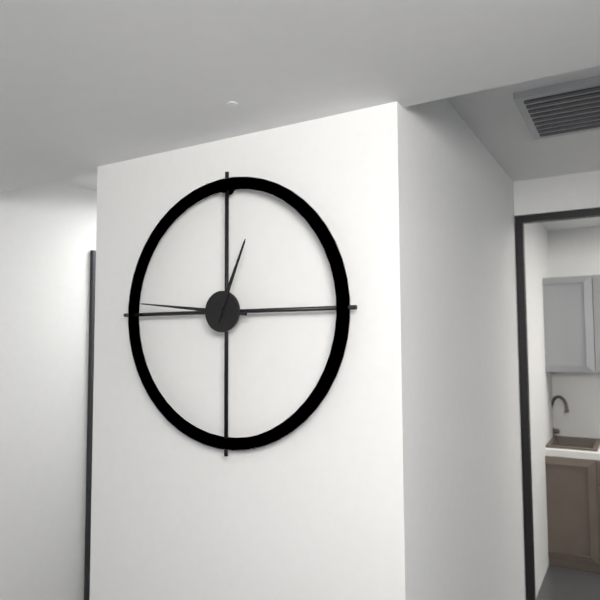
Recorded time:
12h46
